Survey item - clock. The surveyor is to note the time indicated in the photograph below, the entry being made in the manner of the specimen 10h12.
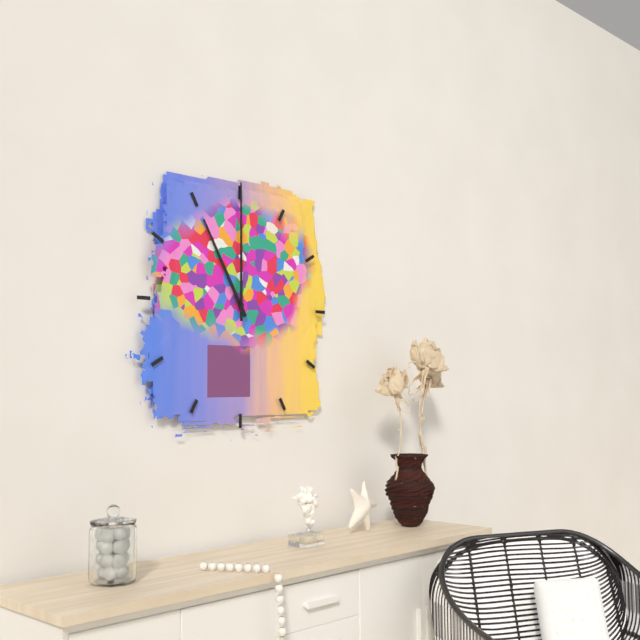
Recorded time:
11h00
